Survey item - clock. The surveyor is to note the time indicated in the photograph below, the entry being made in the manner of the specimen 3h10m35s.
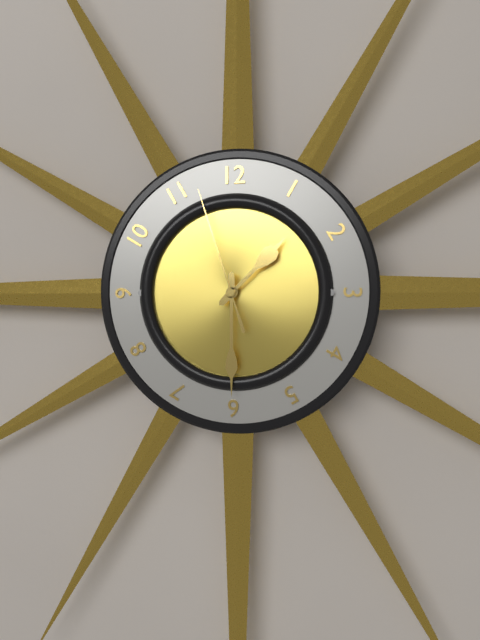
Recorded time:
1h30m57s
